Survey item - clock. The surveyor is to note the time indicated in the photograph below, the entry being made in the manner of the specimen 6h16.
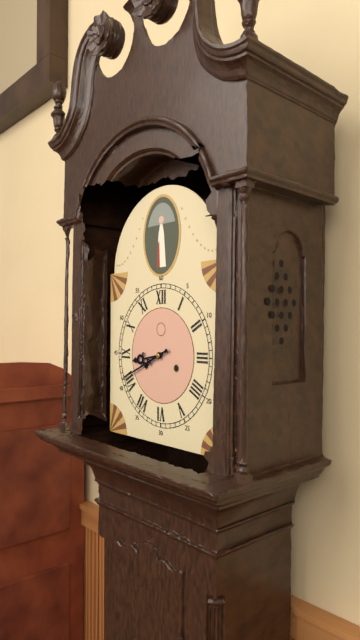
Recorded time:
8h41
